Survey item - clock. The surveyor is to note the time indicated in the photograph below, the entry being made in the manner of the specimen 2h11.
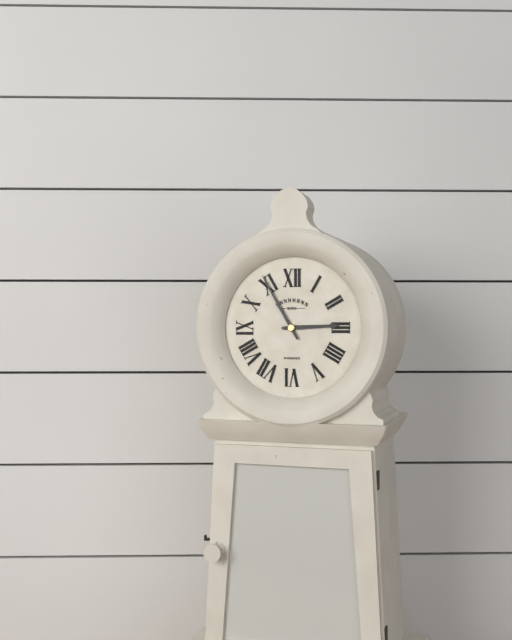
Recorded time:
2h55
